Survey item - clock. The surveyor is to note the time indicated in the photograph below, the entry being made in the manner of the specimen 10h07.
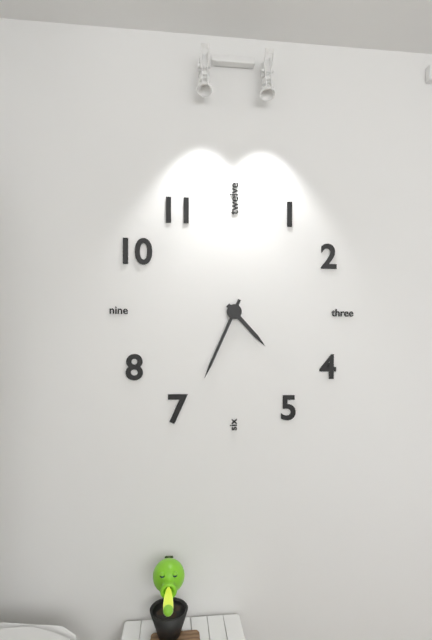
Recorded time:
4h34
